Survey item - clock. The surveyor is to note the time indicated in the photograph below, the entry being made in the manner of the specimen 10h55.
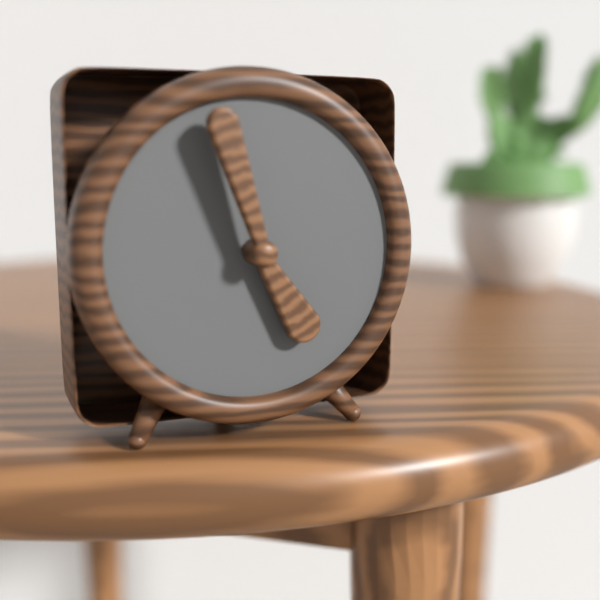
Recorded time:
4h57
